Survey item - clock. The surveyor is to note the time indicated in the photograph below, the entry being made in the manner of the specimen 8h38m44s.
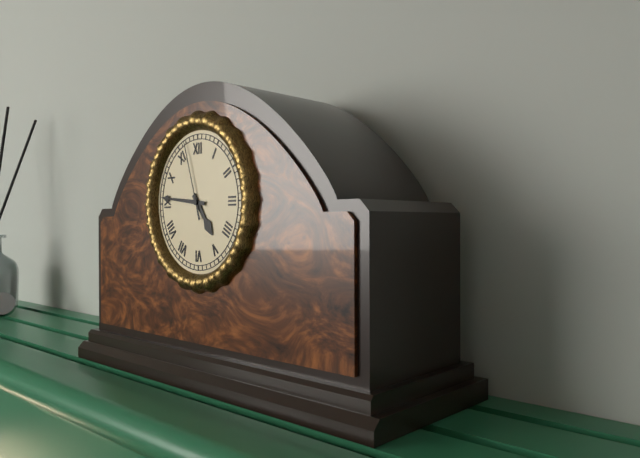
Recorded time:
4h46m57s
